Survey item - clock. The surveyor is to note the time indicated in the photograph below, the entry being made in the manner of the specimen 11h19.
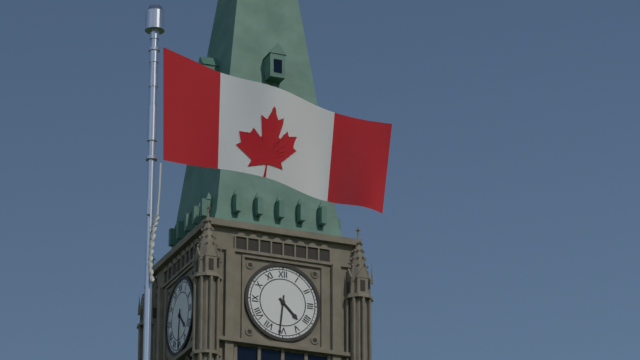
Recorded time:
4h31
